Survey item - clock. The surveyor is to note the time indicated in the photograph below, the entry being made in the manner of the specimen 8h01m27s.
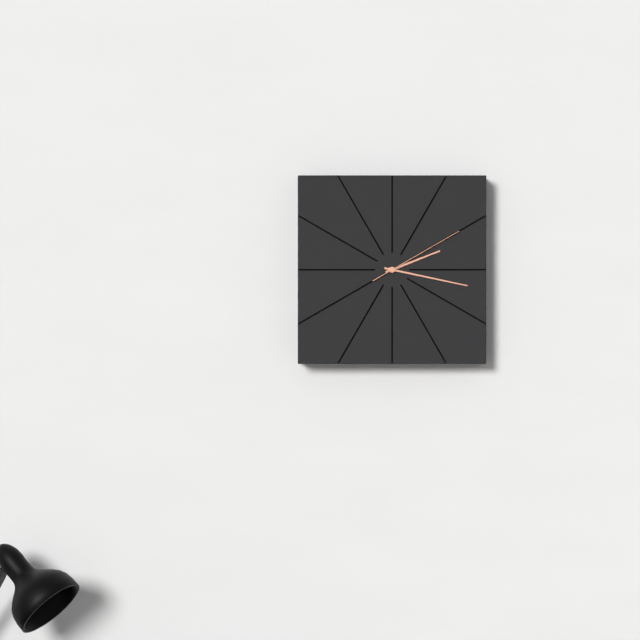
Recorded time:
2h17m10s
